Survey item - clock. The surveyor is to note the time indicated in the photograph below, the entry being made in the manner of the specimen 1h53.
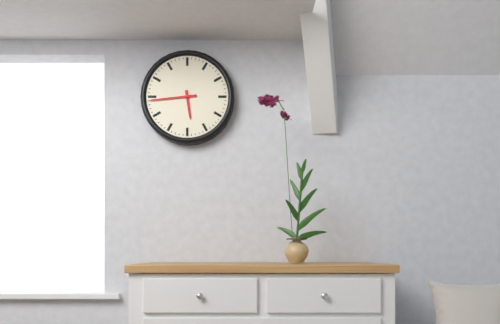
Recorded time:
5h44
